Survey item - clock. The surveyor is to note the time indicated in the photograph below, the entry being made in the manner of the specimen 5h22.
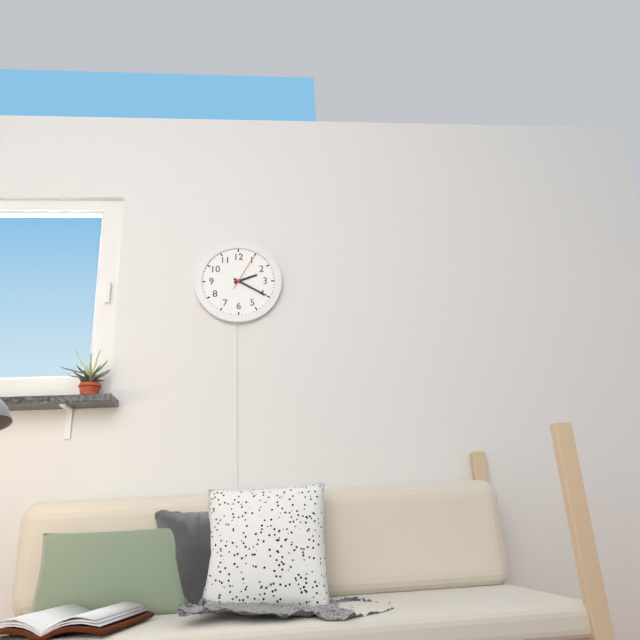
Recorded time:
2h20
